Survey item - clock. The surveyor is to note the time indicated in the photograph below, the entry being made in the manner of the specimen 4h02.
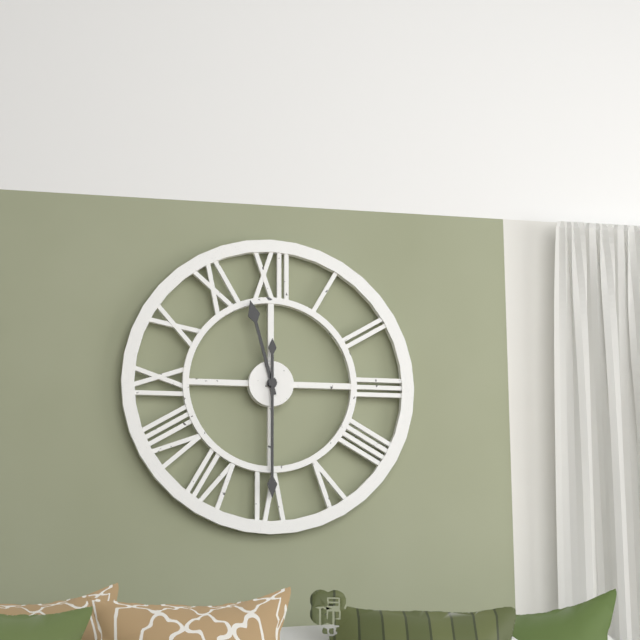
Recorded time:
11h30
